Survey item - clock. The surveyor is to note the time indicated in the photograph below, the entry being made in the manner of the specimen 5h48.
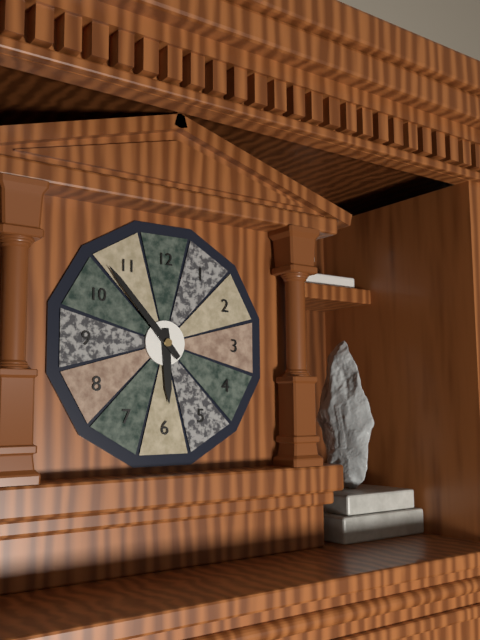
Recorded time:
5h53
